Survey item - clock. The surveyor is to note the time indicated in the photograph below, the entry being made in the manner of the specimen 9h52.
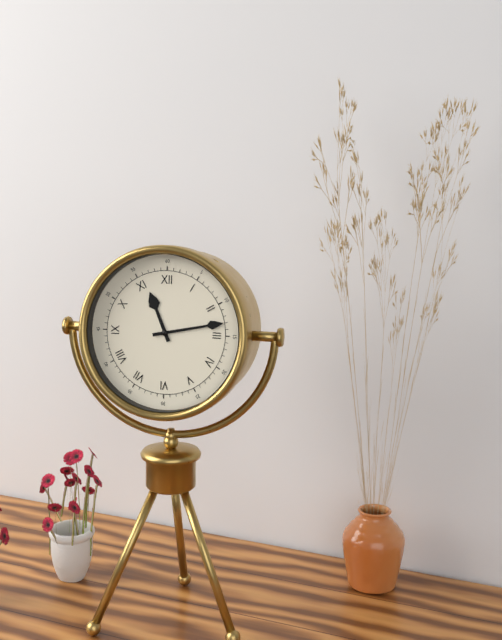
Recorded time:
11h13
